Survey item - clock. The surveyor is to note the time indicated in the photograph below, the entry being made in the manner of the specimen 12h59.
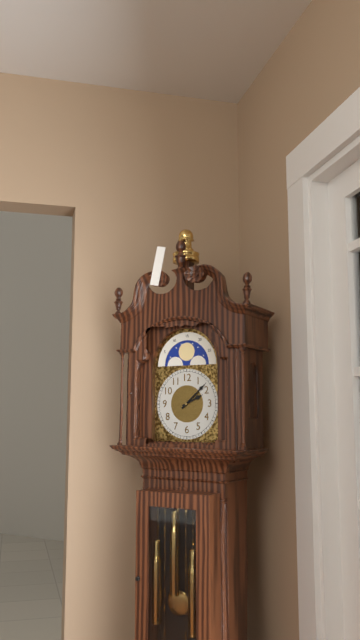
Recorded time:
2h08
